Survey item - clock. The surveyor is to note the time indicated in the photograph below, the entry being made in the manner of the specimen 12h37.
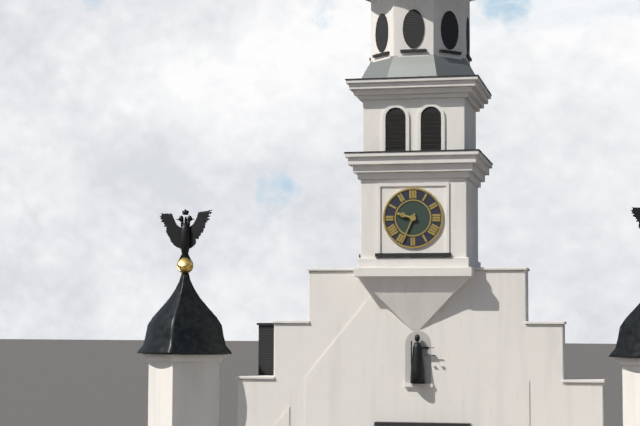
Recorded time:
9h34
